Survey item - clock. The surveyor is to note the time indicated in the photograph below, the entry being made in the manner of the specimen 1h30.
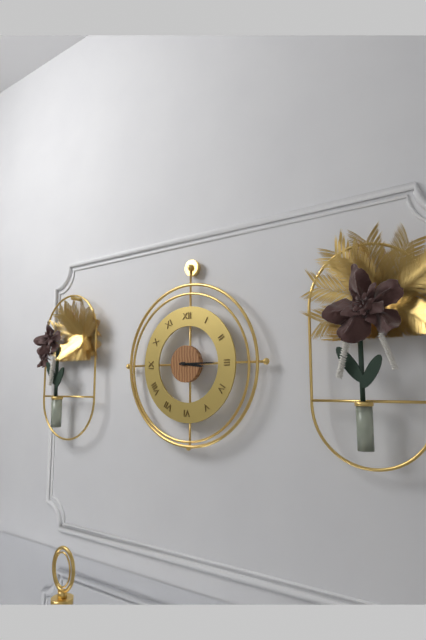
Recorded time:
3h15
